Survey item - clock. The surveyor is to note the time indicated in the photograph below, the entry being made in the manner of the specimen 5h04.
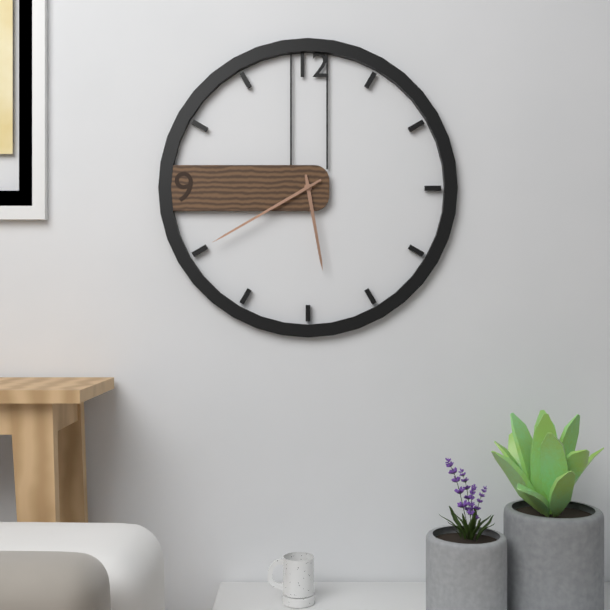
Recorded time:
5h40
